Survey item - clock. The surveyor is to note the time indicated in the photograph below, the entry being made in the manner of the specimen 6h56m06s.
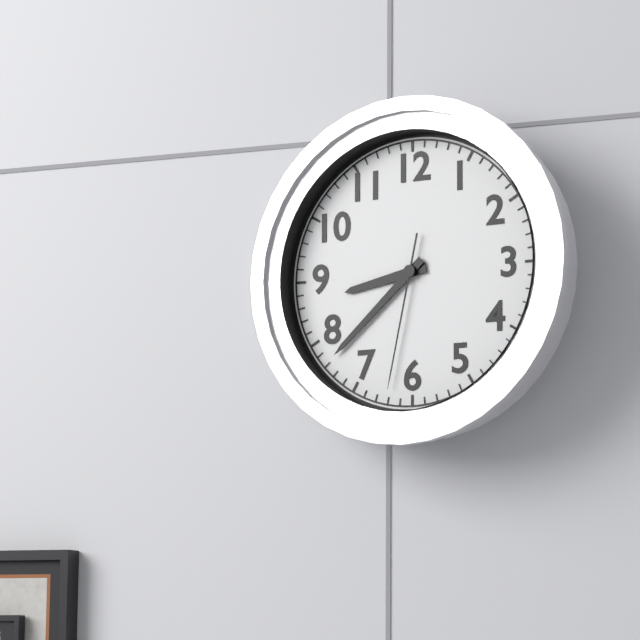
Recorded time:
8h38m32s
